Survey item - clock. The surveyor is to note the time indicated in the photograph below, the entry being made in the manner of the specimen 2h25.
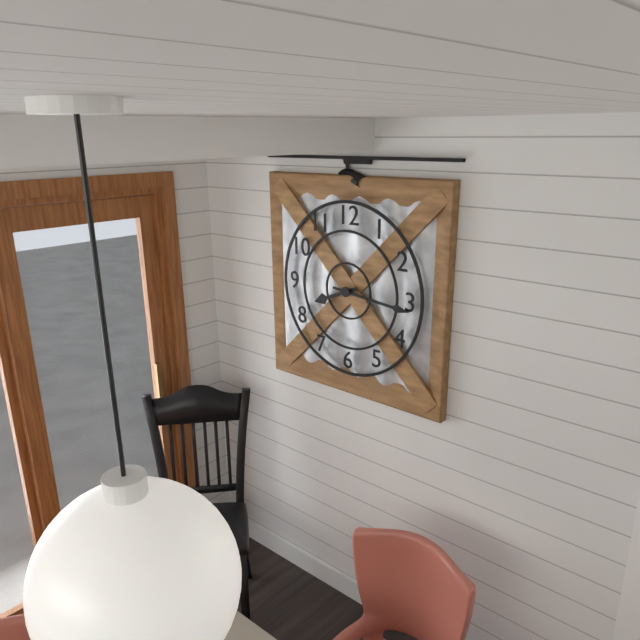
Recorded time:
8h16
